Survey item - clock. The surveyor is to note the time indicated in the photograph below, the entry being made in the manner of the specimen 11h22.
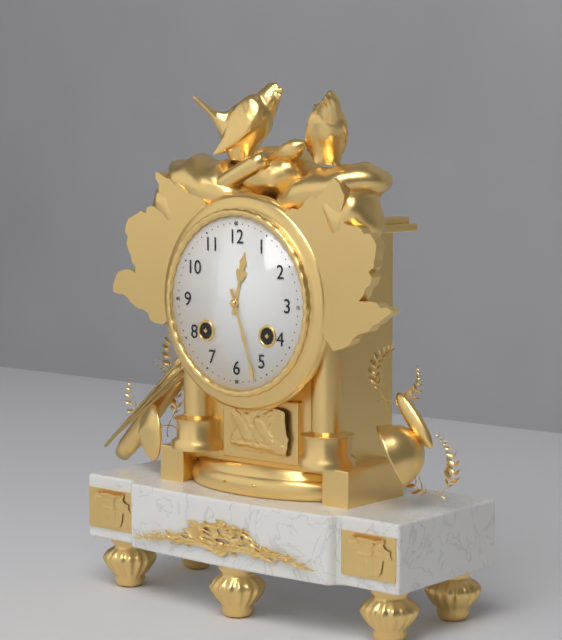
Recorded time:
12h27
